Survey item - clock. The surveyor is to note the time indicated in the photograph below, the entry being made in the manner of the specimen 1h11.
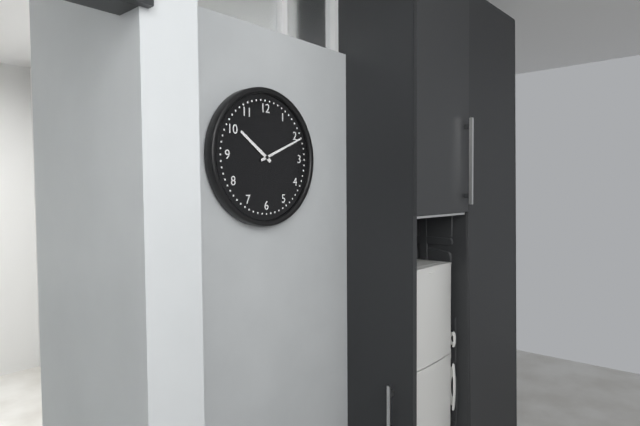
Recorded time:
10h11
